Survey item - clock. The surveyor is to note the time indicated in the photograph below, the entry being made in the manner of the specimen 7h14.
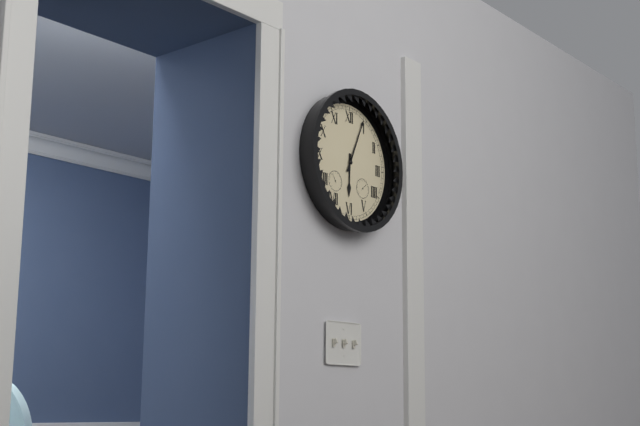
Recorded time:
6h04
